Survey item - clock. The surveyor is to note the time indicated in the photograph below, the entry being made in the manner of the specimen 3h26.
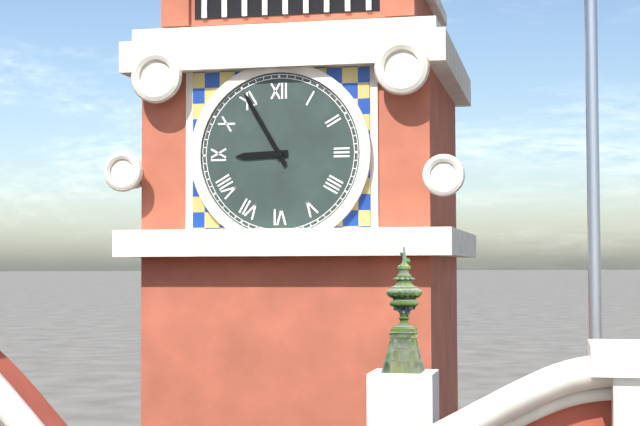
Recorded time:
8h55
